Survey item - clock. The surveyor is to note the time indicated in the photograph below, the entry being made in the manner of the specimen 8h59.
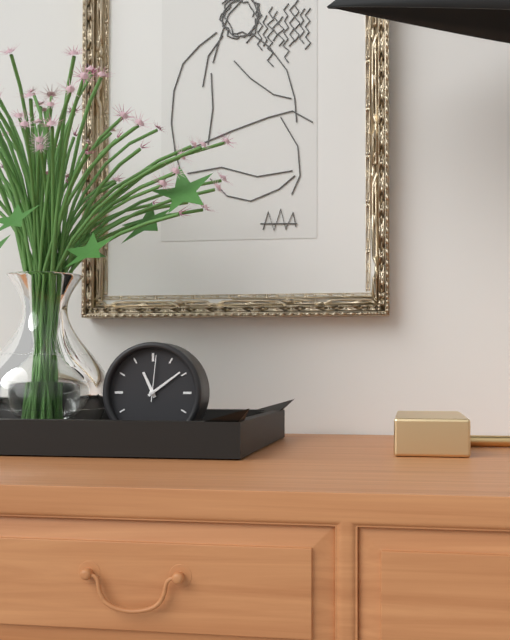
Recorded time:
11h09
